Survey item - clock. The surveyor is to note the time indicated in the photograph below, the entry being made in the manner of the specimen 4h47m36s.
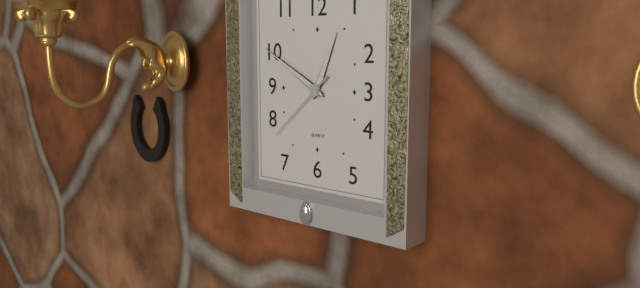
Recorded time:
12h50m38s
